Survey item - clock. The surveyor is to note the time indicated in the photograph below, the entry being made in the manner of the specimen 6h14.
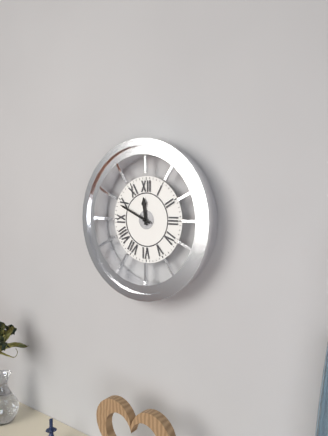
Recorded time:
11h49
